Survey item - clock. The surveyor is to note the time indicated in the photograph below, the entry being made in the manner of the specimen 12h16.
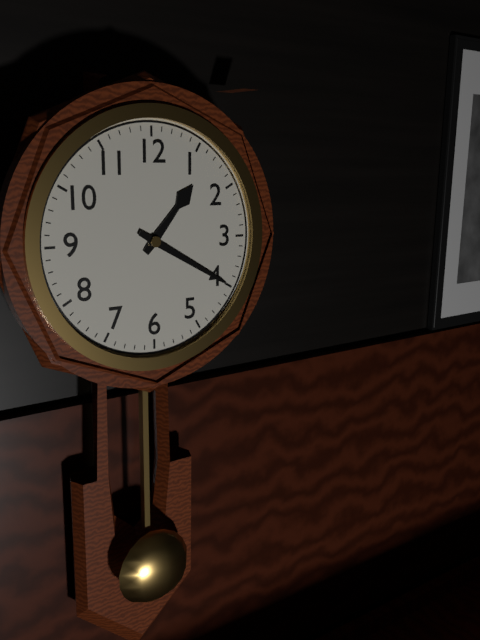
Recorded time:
1h20
